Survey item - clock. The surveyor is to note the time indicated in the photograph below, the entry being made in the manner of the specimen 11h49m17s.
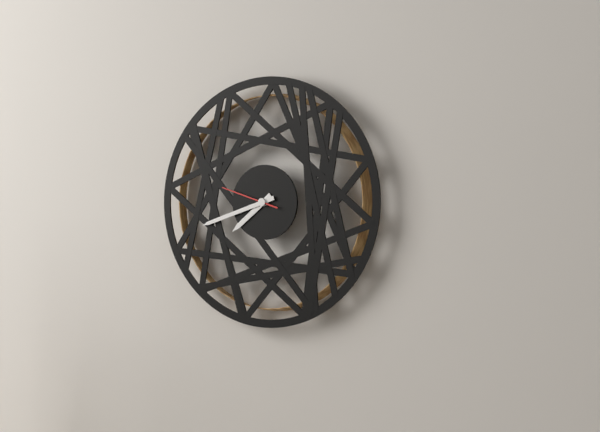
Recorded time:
7h42m48s
